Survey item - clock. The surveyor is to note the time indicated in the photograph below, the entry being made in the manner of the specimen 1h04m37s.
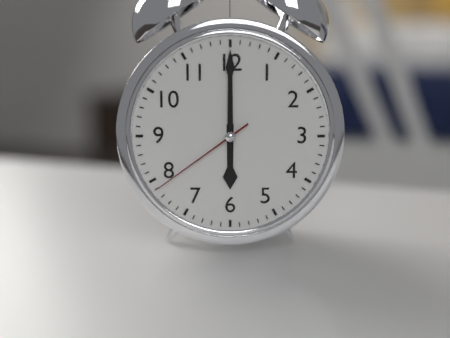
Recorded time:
6h00m39s
